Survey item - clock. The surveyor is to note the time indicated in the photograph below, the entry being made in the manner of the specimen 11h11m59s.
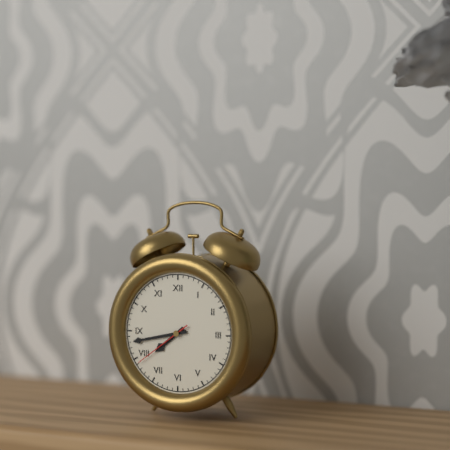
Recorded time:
7h43m39s
